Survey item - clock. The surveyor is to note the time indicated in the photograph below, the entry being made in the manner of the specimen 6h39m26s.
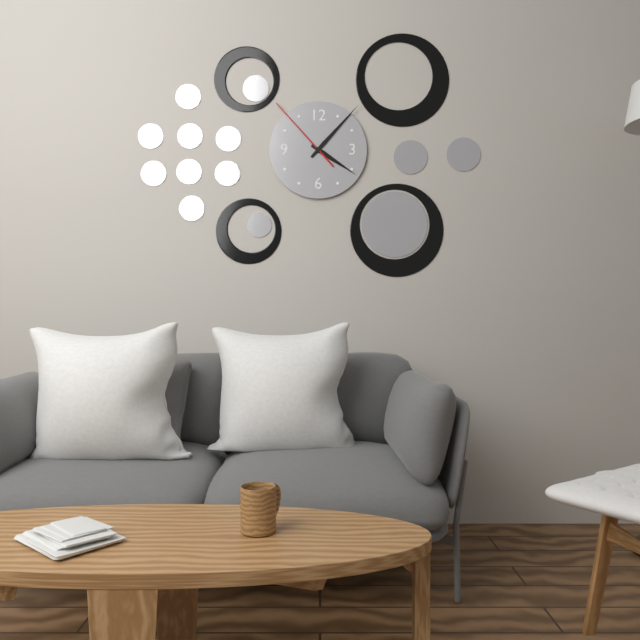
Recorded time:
4h07m53s
